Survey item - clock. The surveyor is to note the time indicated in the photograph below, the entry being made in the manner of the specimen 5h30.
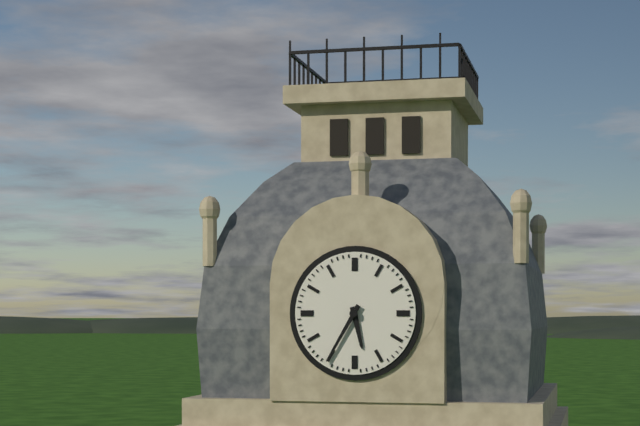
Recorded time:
5h35
